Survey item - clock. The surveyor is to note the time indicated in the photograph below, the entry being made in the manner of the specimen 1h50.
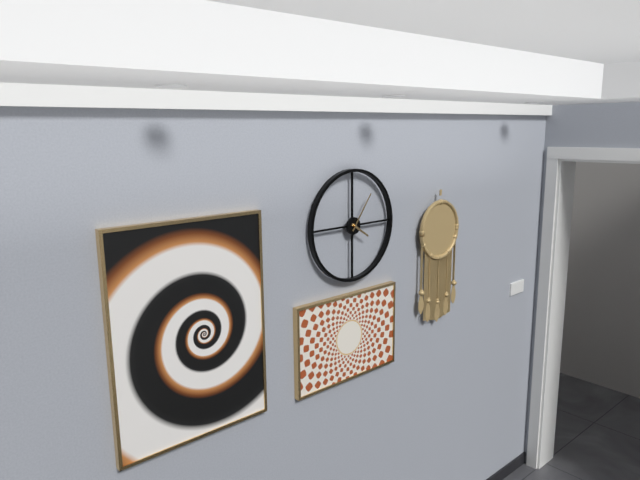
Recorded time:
4h06
